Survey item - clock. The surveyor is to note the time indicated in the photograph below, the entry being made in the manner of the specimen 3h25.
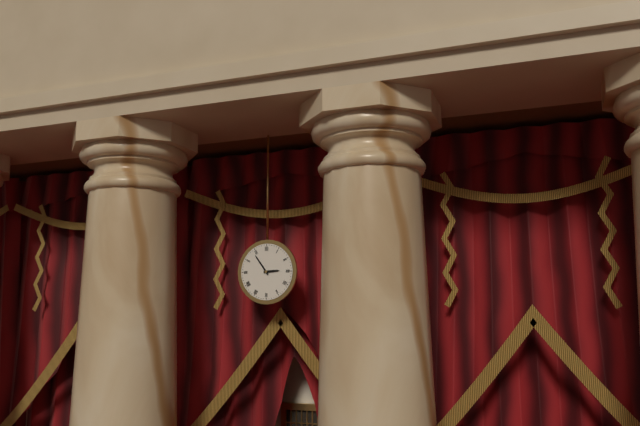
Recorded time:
2h54
